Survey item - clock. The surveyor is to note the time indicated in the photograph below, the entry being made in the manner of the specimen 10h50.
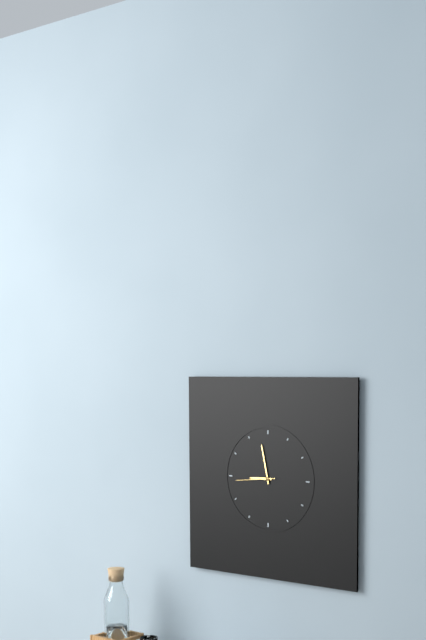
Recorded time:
8h58
